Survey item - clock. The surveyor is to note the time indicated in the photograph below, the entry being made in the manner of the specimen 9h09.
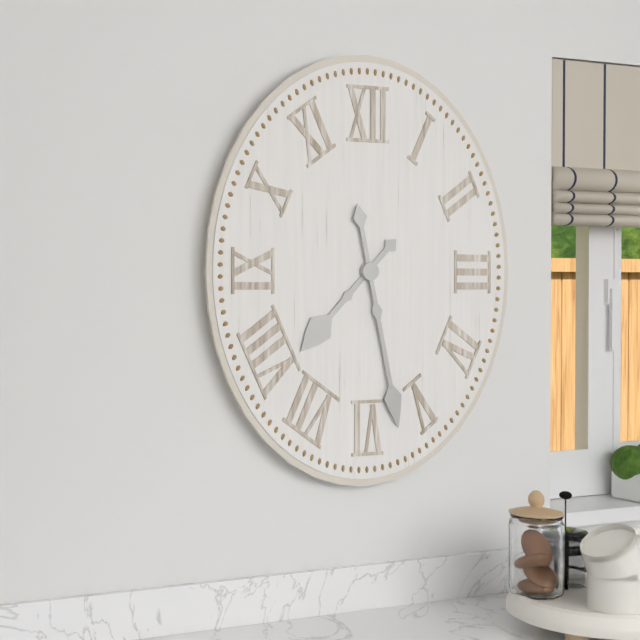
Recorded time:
7h28
